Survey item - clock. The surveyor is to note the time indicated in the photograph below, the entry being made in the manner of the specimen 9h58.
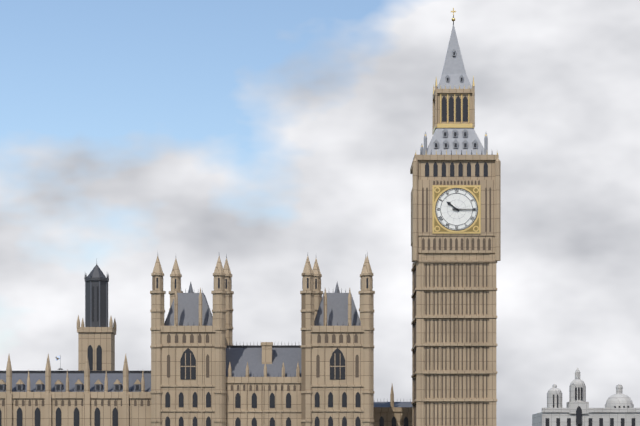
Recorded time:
10h15
